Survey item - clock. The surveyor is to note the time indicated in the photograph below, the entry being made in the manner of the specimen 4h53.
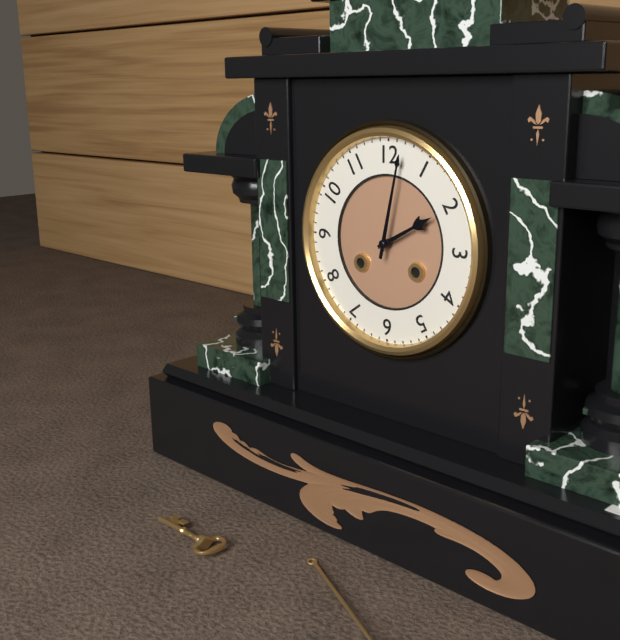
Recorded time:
2h02
